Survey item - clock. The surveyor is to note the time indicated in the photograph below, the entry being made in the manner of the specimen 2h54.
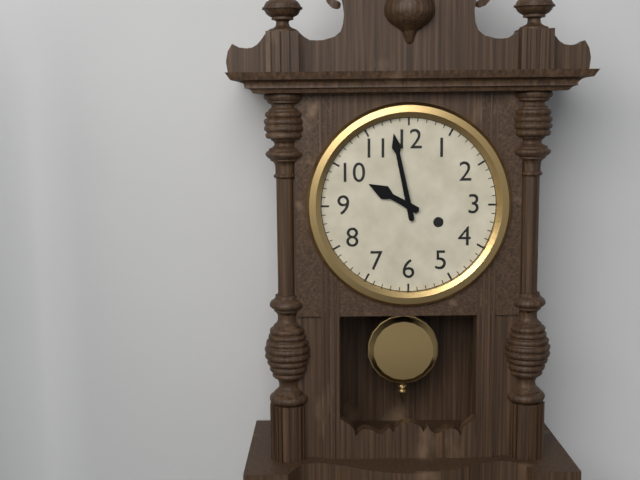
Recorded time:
9h58
